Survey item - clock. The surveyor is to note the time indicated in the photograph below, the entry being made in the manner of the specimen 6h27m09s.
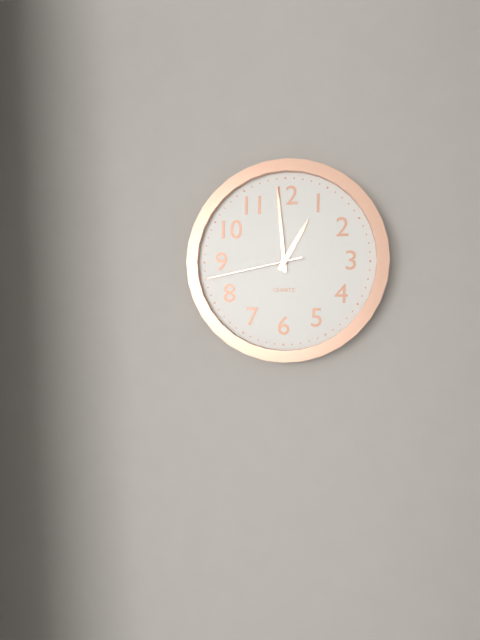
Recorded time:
12h59m43s
